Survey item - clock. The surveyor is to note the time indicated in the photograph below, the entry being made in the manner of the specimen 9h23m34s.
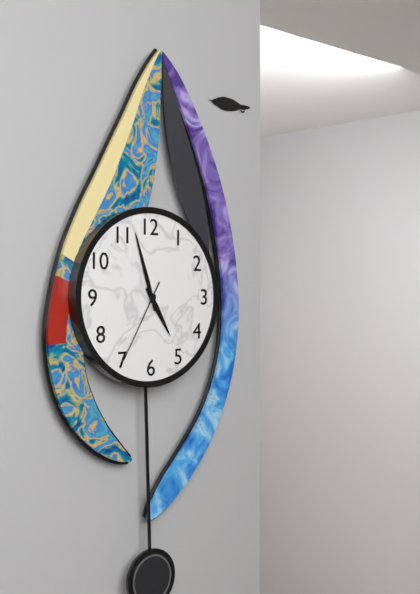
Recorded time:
4h57m35s
